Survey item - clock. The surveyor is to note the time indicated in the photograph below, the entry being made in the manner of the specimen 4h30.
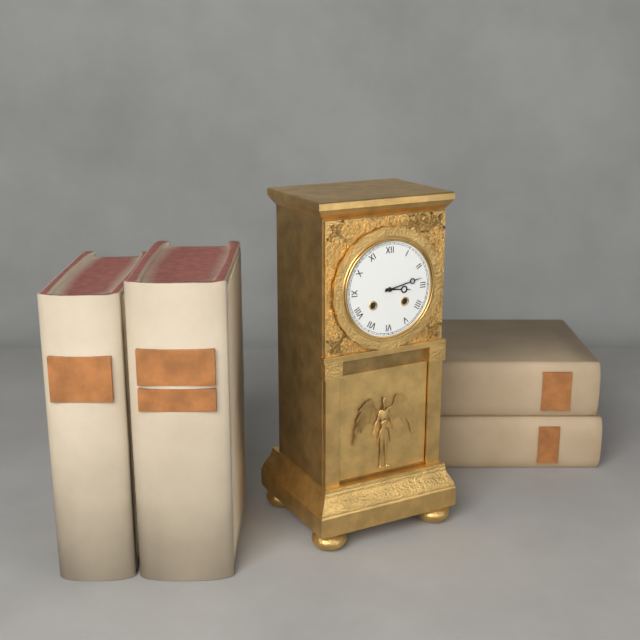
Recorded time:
3h13
